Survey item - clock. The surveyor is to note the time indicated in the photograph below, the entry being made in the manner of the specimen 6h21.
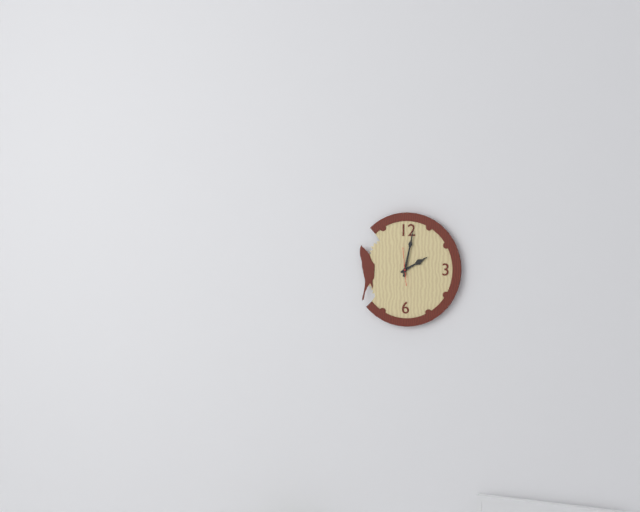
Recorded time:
2h02
